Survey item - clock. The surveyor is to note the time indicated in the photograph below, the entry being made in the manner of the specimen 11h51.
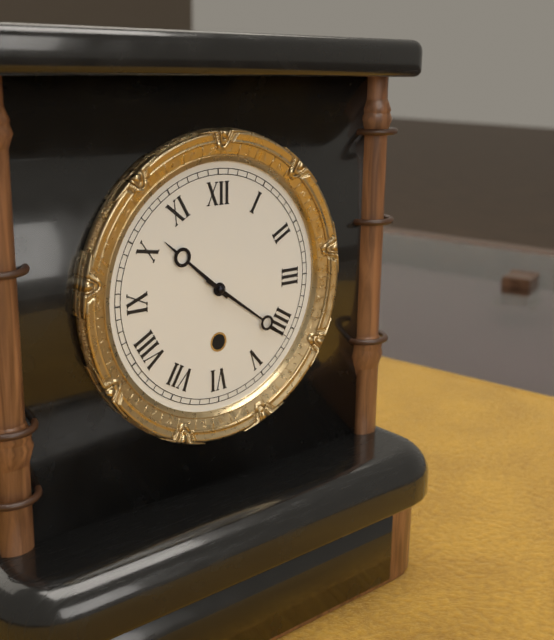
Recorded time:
10h21
